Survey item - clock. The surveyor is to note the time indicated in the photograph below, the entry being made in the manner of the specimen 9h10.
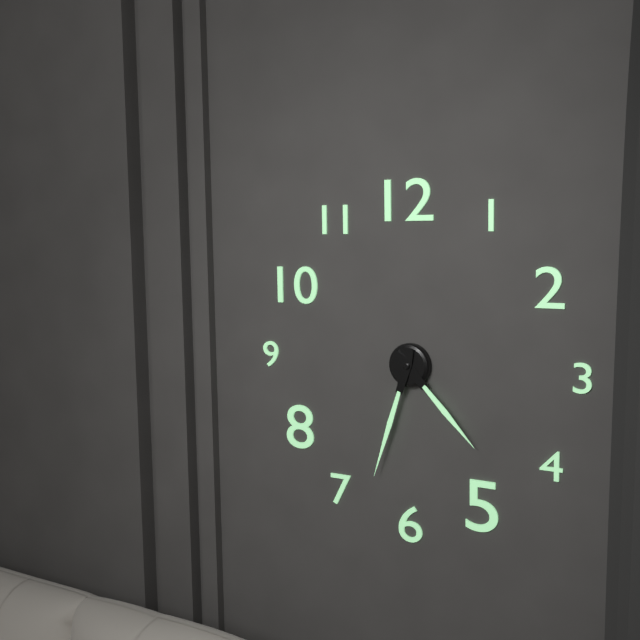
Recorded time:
4h33
